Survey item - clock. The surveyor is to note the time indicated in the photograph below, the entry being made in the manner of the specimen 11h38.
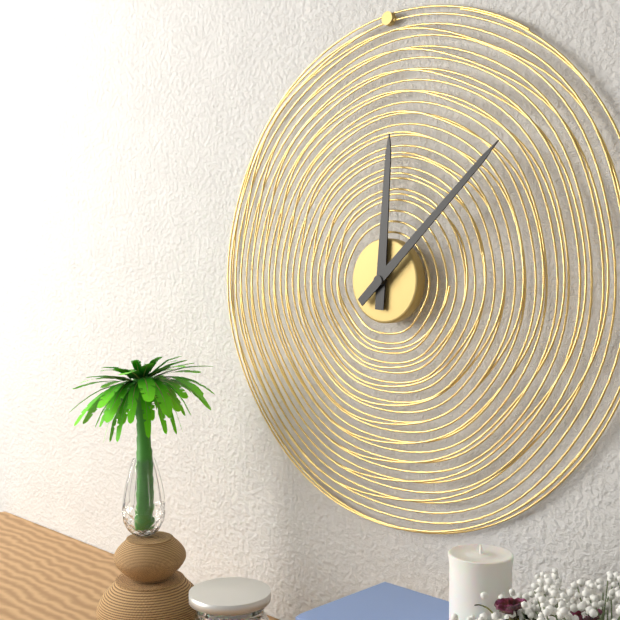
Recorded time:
12h08
